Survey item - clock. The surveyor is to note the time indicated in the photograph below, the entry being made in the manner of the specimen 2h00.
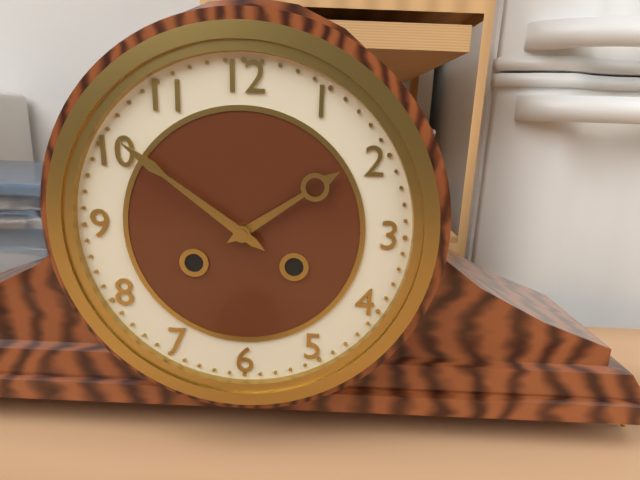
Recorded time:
1h51
